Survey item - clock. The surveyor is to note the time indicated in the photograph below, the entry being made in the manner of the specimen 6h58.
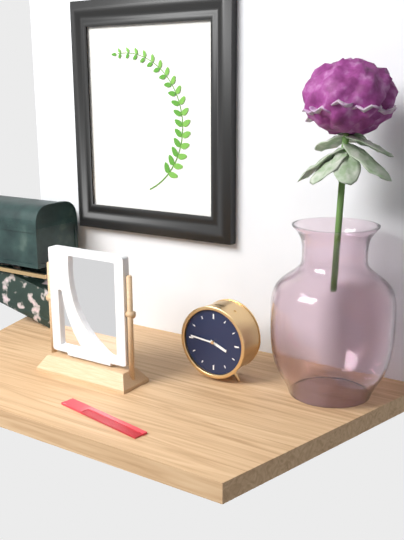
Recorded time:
3h46
